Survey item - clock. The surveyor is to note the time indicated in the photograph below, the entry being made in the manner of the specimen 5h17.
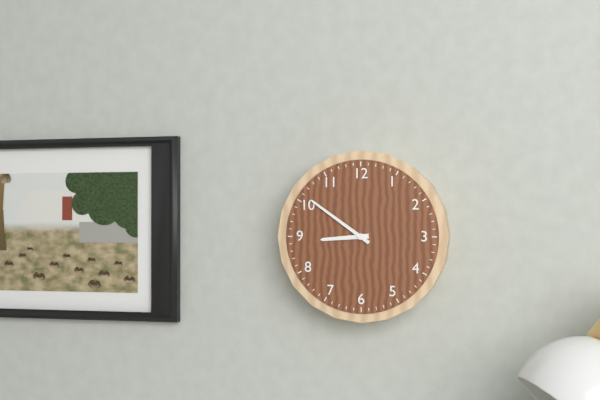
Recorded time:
8h51
